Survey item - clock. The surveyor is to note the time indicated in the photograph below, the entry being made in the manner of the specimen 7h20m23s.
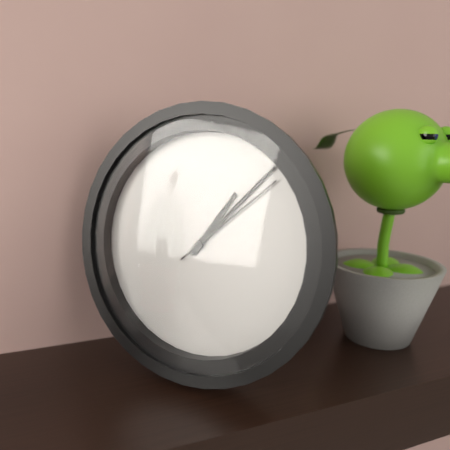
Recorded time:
1h07m08s
